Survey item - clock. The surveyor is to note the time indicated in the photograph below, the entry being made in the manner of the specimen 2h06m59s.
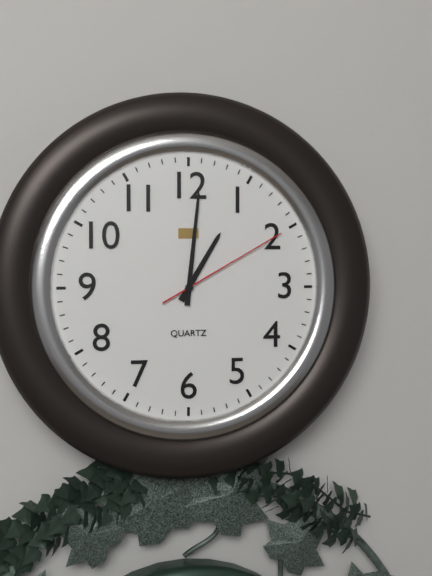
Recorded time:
1h01m10s
